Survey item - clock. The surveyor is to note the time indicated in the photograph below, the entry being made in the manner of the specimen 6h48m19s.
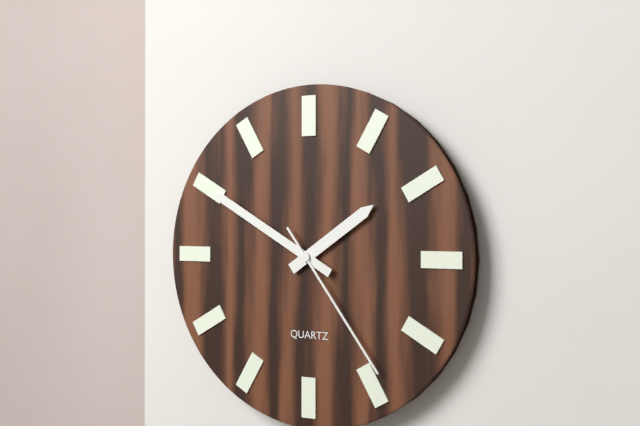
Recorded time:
1h50m24s
